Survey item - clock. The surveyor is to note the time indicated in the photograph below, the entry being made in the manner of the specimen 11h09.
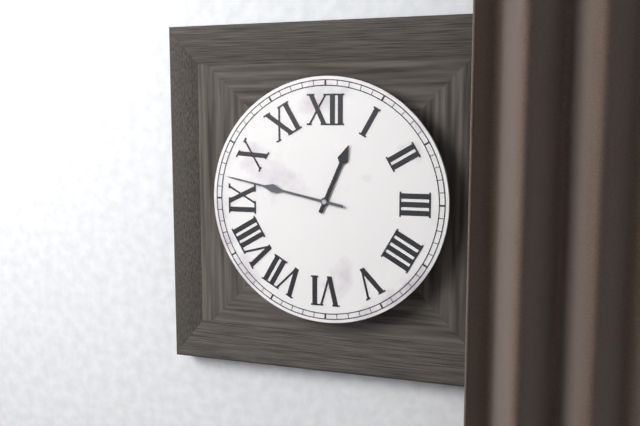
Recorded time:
12h47
